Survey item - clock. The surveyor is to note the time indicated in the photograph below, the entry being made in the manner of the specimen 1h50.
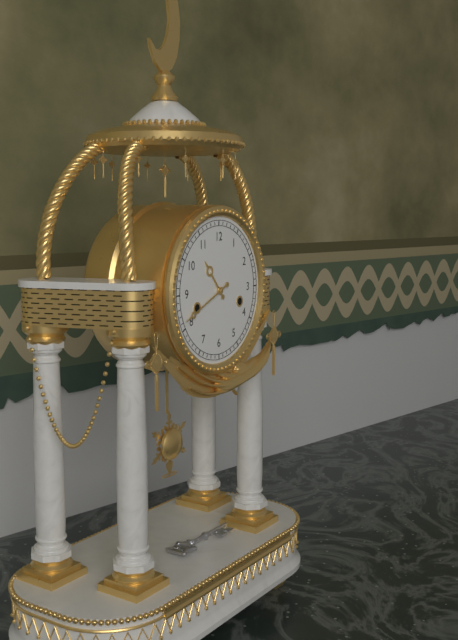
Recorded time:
10h41
